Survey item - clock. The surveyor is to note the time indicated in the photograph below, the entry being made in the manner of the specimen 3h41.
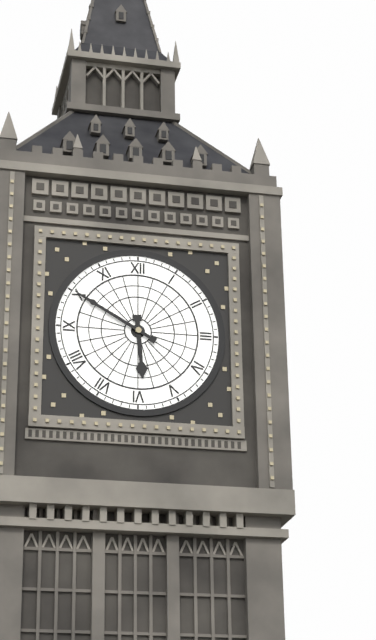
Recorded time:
5h50
